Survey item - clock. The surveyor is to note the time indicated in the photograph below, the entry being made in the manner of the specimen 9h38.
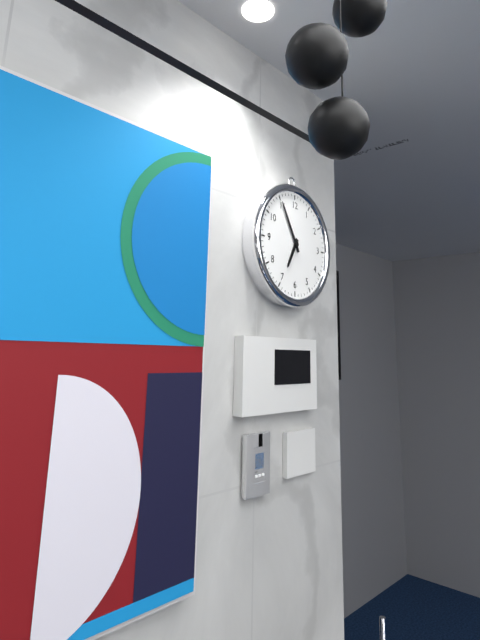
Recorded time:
6h55
